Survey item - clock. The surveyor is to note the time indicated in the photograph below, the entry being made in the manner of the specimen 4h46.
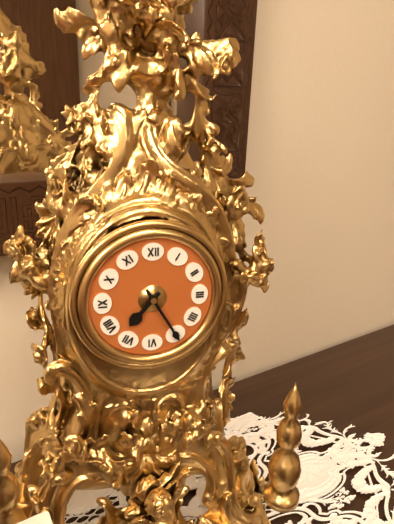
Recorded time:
7h25
